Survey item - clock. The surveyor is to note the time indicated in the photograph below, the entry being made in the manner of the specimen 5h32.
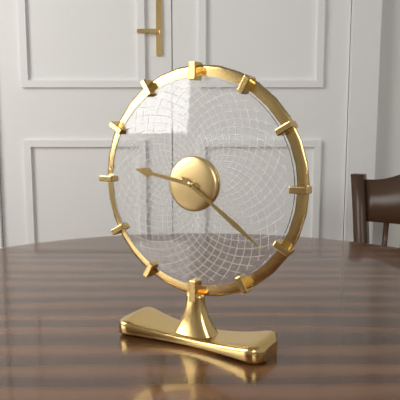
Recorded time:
9h21
